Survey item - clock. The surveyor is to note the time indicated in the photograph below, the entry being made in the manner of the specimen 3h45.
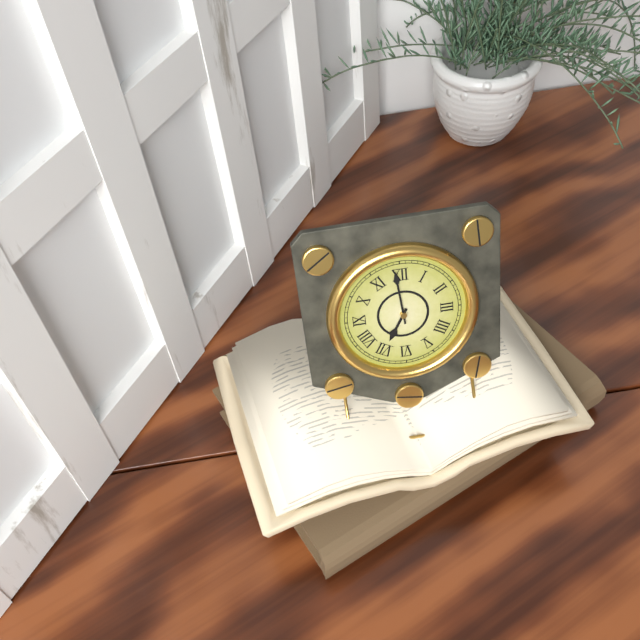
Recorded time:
6h59
